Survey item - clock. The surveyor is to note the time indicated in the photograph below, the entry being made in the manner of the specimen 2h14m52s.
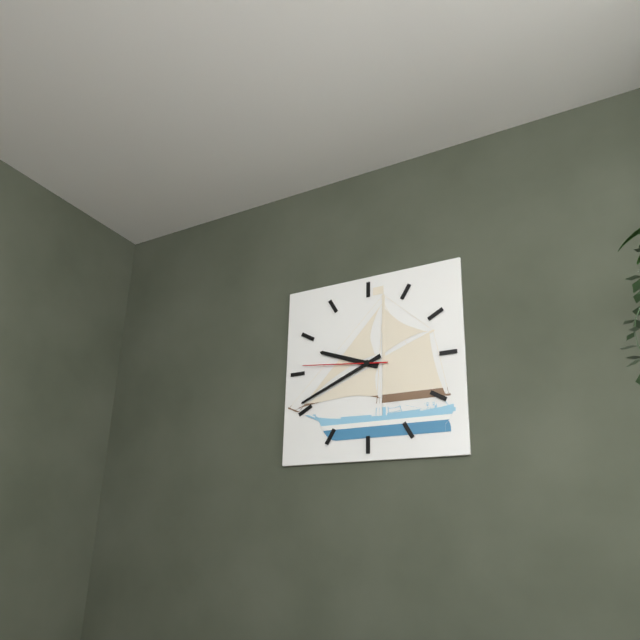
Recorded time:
9h41m46s
